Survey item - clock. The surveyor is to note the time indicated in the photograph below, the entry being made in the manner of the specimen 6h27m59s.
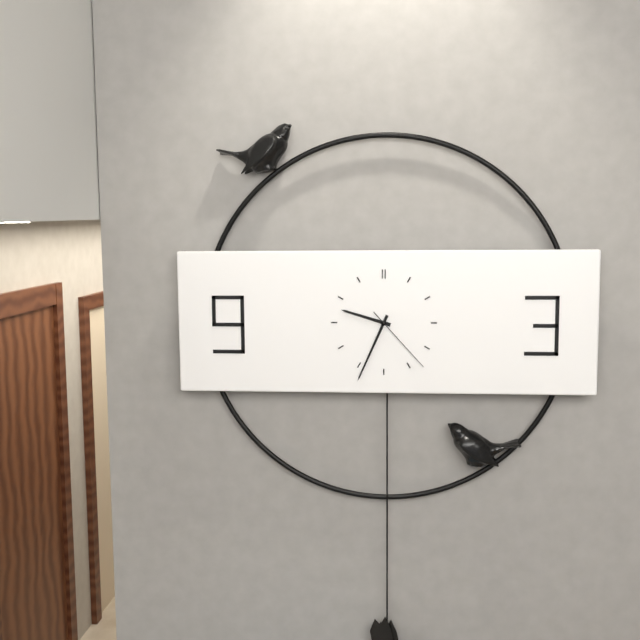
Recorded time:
9h34m23s
